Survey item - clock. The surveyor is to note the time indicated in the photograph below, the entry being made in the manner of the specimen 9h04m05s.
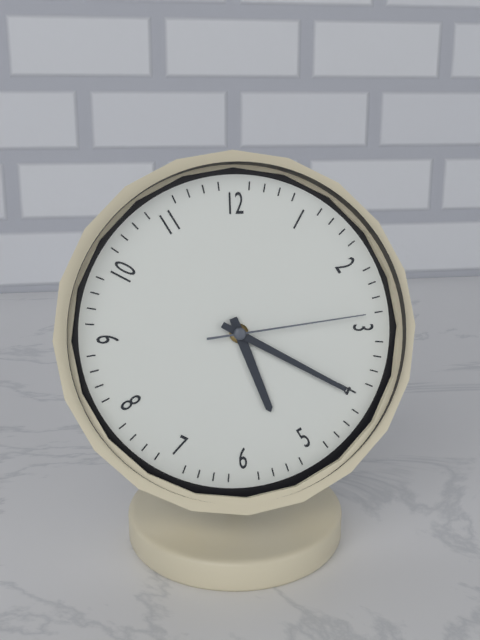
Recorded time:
5h20m14s
